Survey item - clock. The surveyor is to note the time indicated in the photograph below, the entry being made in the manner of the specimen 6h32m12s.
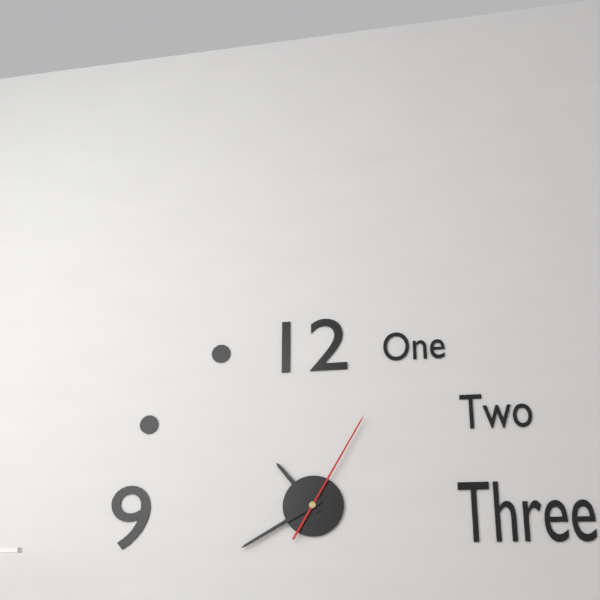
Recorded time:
10h40m05s
